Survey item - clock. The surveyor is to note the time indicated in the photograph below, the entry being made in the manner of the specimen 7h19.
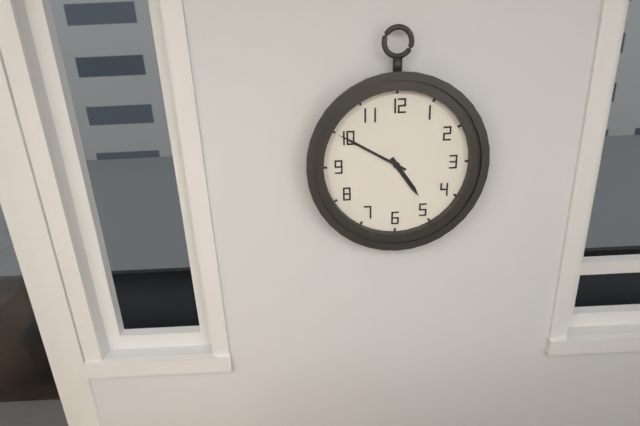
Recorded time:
4h50
